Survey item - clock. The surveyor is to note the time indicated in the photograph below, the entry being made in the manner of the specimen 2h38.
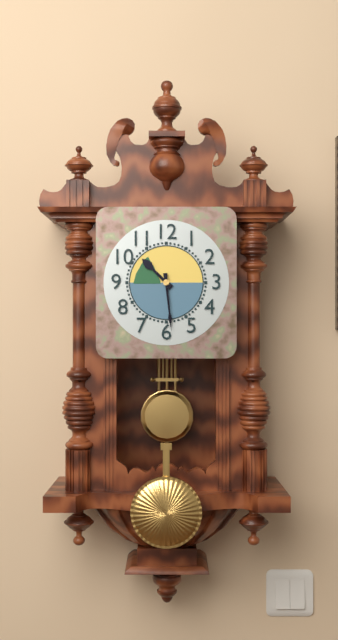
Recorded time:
10h29
